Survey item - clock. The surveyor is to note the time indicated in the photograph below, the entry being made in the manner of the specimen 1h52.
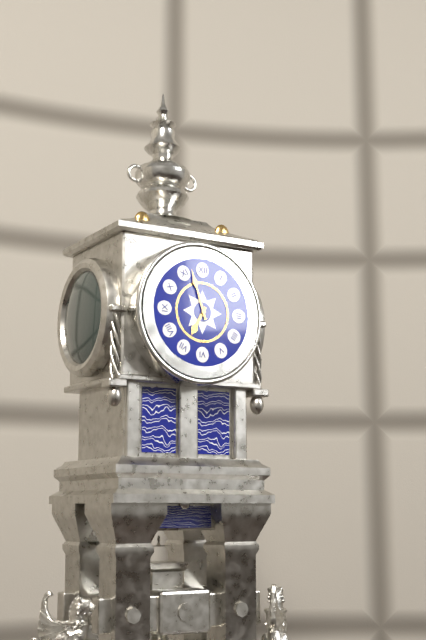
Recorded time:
6h57
